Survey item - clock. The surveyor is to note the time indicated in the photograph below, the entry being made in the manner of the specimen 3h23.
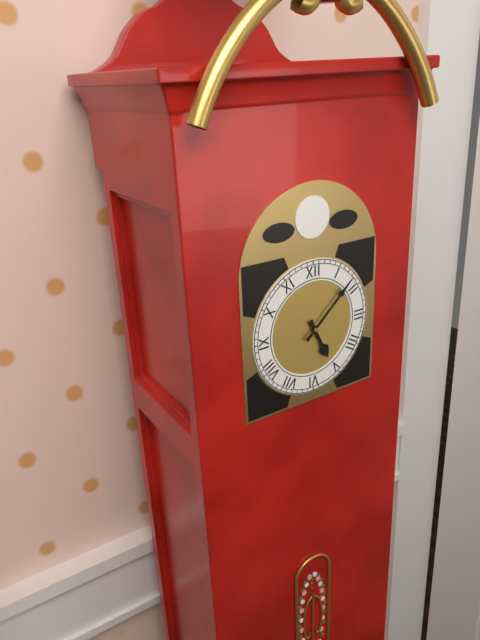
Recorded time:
5h08
